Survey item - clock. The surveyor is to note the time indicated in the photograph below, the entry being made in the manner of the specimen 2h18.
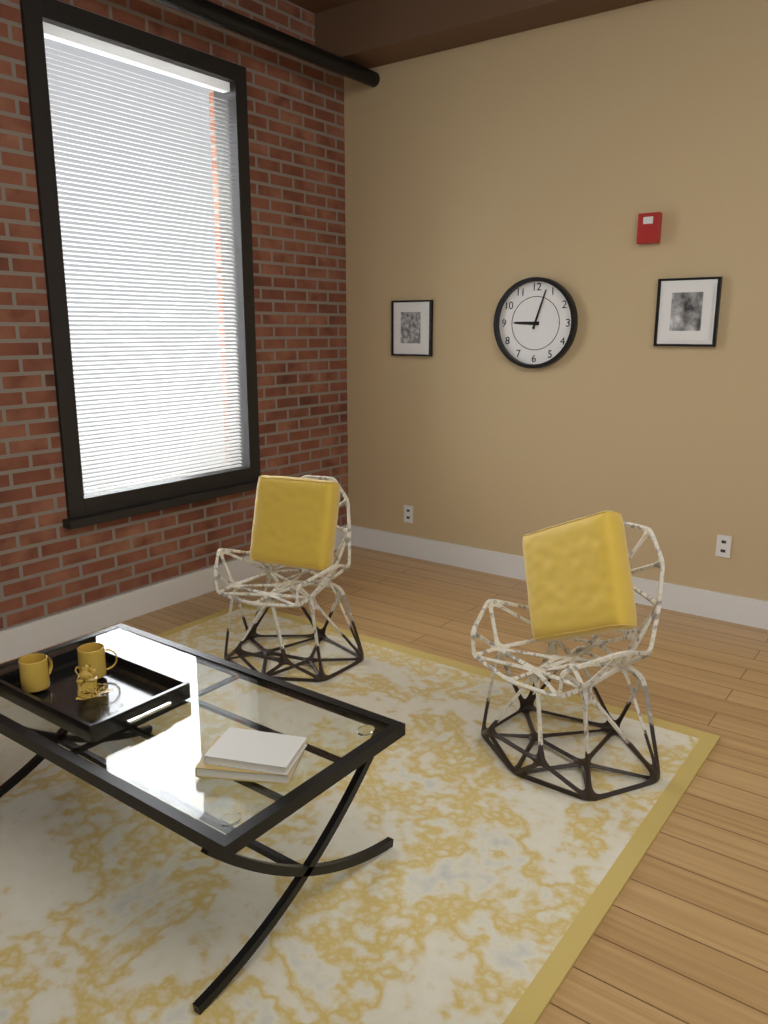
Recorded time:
9h03
